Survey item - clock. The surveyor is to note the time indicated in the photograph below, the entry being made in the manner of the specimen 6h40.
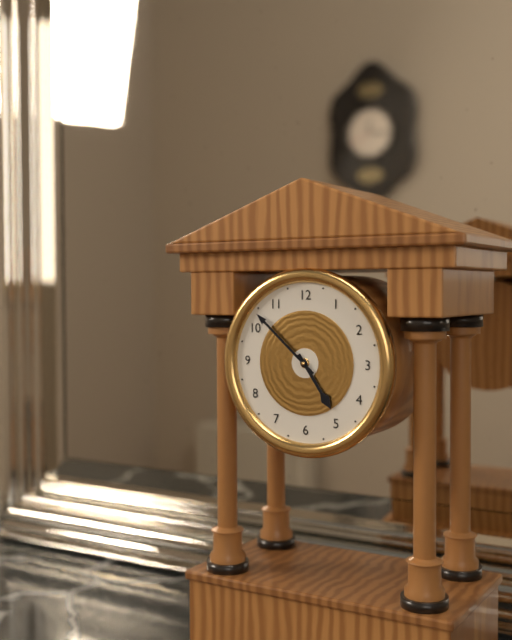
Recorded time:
4h52
